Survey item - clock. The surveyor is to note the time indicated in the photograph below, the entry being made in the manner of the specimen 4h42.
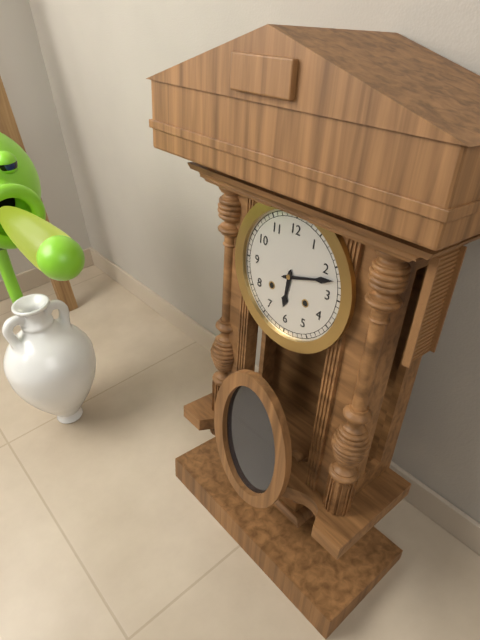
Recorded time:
6h12
